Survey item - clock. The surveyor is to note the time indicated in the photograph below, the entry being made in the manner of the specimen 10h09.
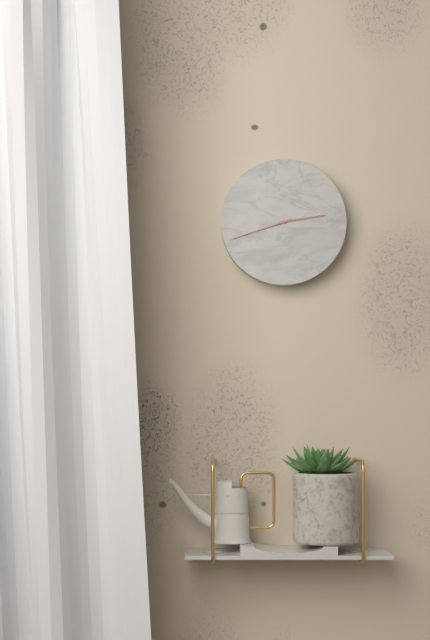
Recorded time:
2h42
